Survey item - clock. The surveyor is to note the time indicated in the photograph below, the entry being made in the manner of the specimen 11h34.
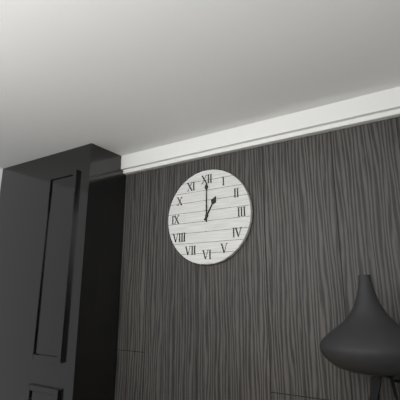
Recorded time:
1h00
